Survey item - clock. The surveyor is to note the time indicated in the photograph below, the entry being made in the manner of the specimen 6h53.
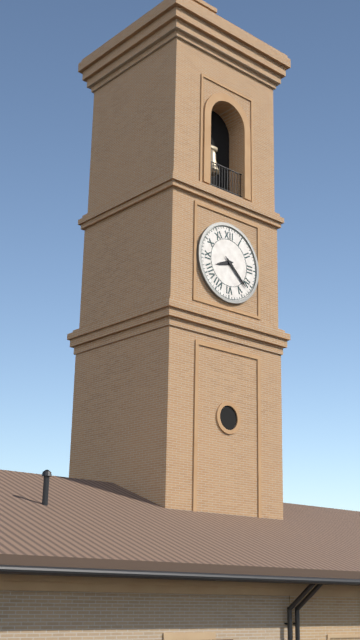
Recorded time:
8h22
